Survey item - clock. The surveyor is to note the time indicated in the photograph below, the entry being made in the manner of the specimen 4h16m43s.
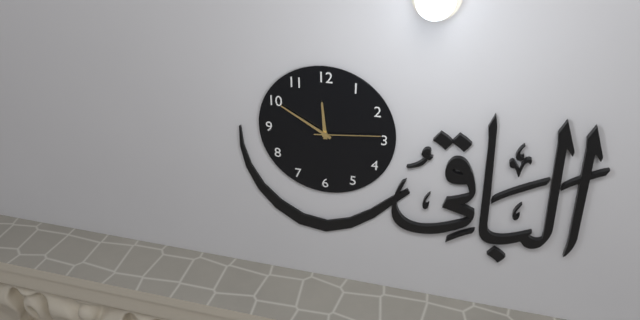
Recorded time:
11h50m14s
